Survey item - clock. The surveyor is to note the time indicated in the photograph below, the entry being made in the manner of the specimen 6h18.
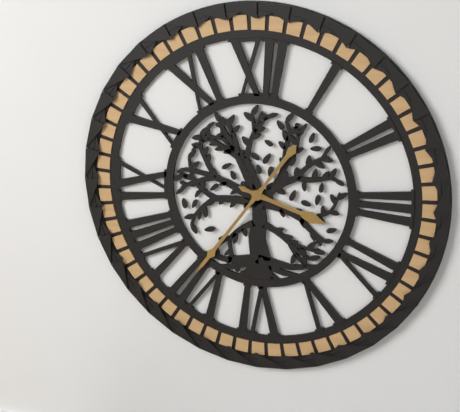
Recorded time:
3h36
